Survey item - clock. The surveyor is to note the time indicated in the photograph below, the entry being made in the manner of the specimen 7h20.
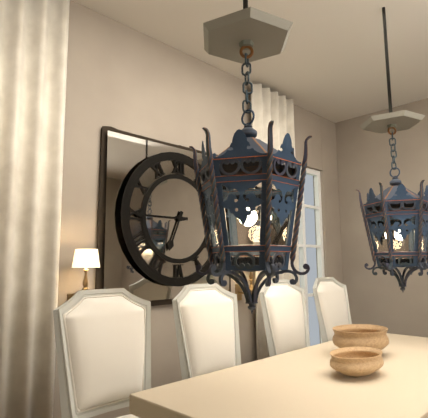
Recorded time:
6h45
